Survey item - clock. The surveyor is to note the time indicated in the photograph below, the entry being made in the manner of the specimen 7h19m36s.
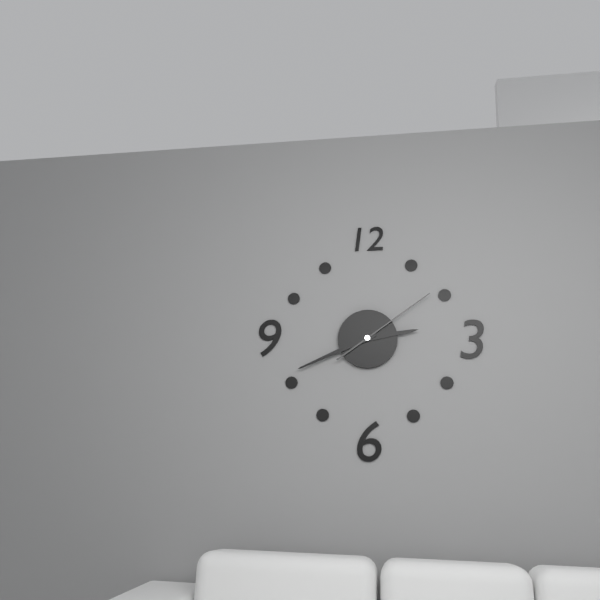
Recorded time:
2h41m09s
